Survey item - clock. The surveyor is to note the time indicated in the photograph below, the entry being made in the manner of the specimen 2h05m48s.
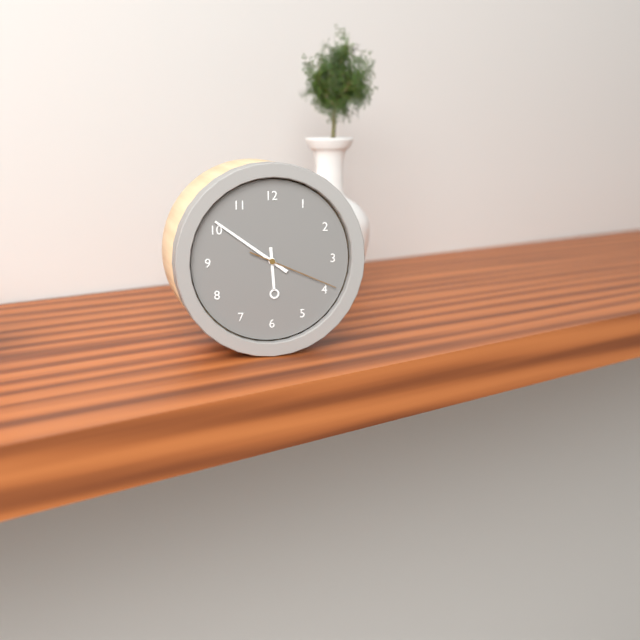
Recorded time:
5h51m19s
